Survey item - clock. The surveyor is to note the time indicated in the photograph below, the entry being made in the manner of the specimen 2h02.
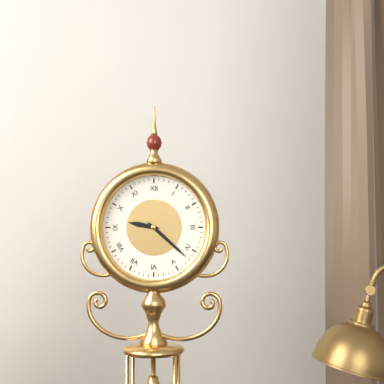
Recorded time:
9h22
